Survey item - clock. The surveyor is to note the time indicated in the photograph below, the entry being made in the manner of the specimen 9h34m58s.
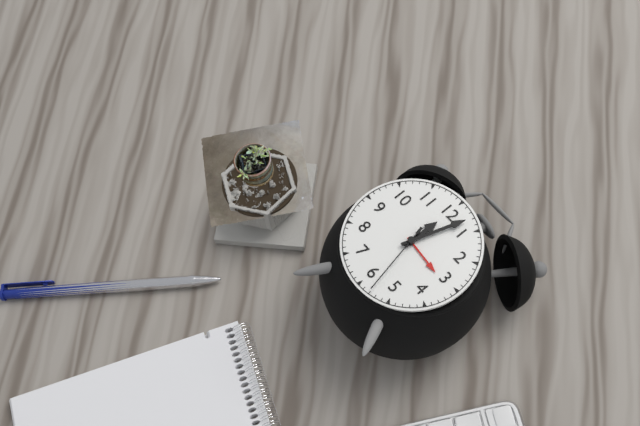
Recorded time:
12h03m28s
